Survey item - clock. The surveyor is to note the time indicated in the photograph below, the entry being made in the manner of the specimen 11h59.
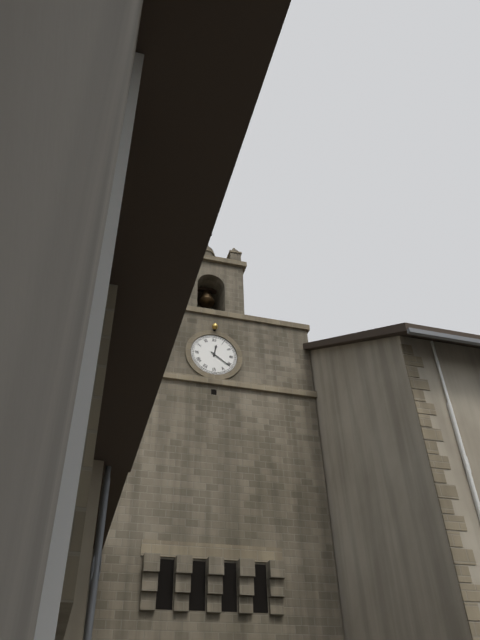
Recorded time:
12h21
